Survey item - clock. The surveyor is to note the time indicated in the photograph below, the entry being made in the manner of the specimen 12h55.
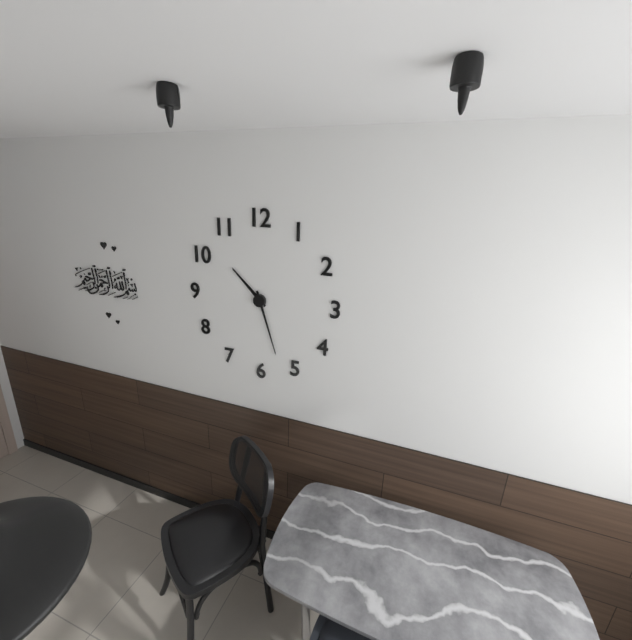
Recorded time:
10h27
